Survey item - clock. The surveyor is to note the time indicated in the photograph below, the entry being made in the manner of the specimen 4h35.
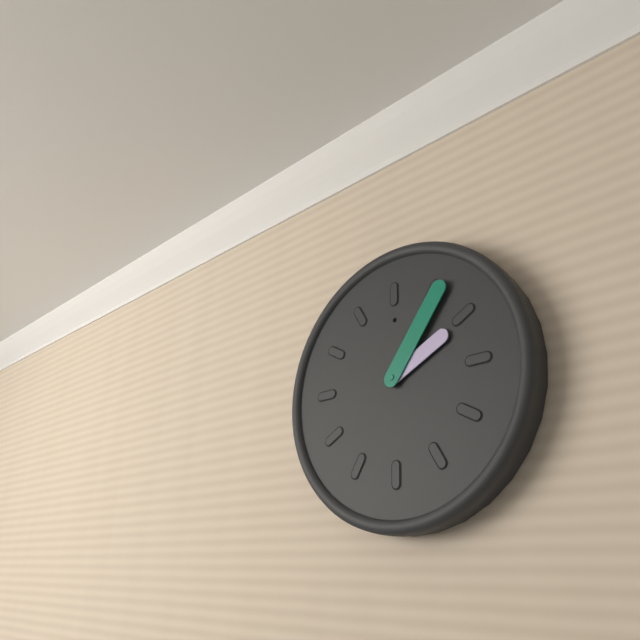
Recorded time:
2h06
